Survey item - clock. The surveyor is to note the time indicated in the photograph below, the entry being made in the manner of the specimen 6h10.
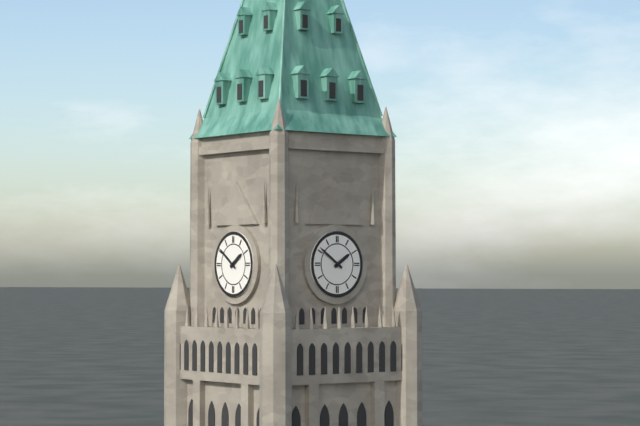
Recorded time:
1h51
